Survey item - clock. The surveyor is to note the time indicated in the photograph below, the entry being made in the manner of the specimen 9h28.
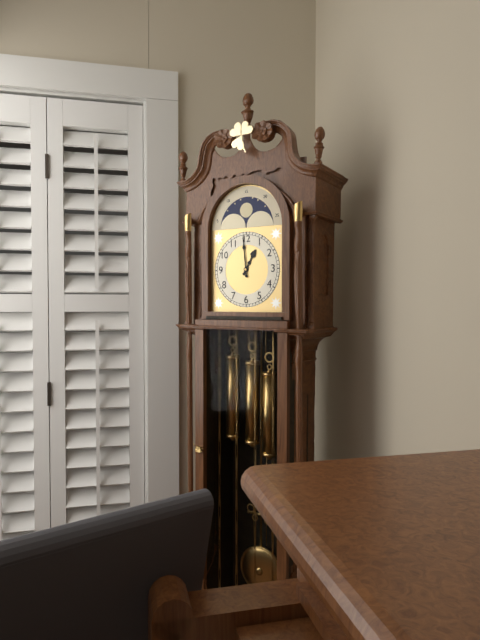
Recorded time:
12h59
